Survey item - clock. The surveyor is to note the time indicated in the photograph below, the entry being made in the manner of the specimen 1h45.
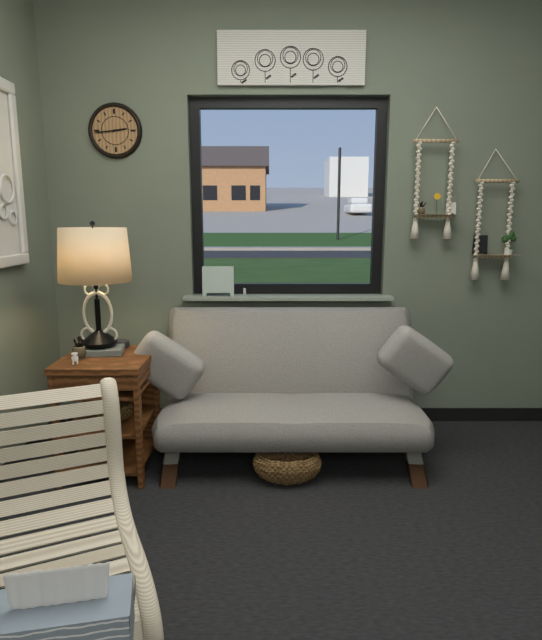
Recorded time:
2h44
